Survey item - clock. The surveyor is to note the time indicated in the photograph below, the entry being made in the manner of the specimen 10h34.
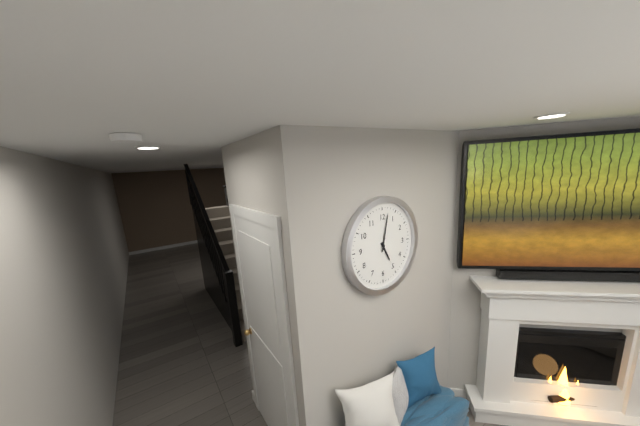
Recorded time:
5h02
